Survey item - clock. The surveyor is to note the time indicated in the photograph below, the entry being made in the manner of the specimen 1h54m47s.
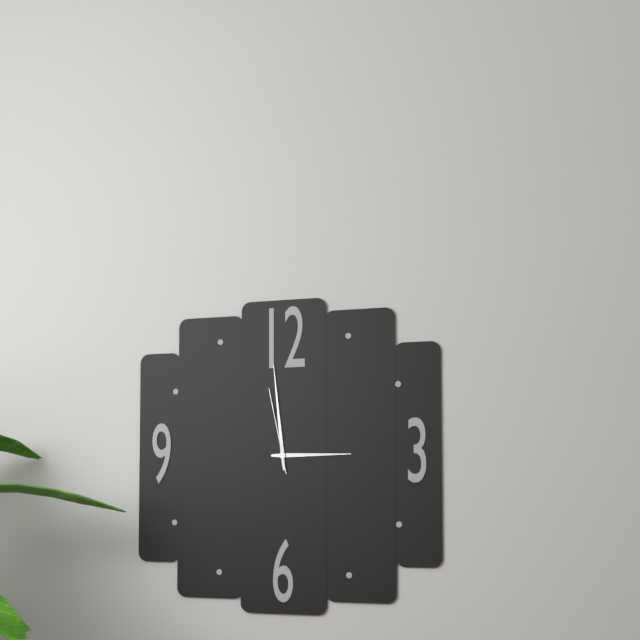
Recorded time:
2h59m58s
